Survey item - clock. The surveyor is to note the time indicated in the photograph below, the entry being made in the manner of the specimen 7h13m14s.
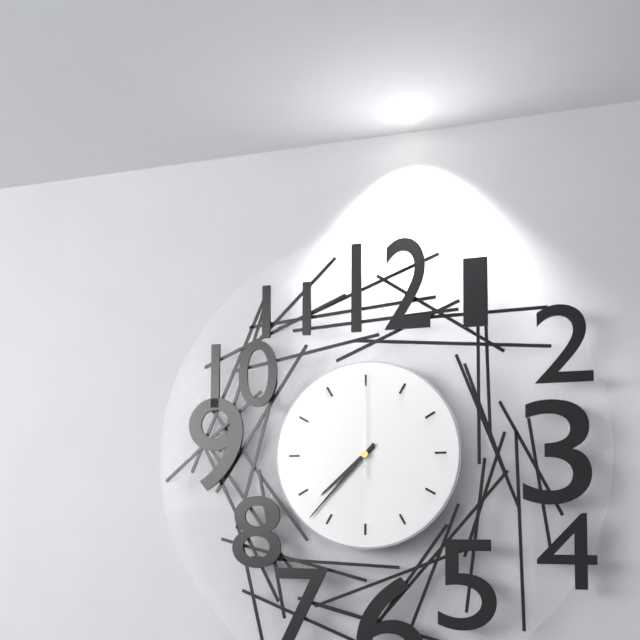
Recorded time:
7h37m00s
